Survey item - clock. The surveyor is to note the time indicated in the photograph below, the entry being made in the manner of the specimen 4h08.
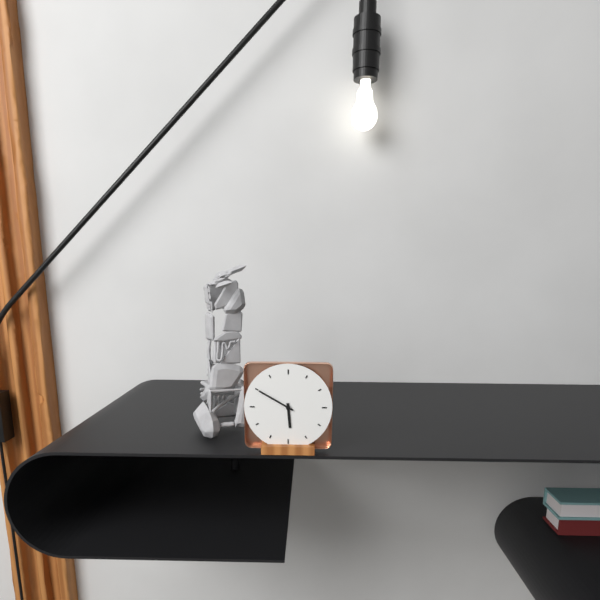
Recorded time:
5h50
